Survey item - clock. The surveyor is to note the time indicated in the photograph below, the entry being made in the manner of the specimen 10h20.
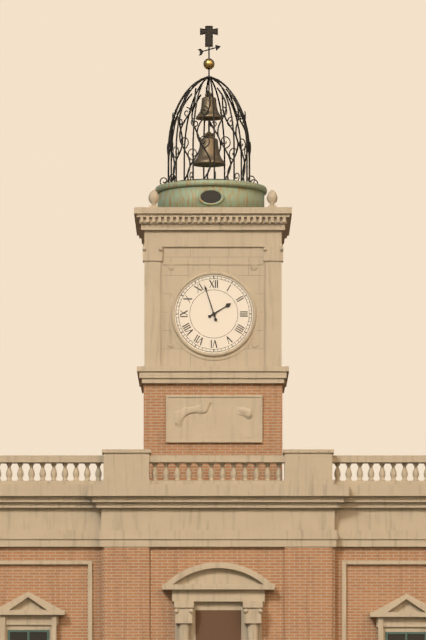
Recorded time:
1h57
